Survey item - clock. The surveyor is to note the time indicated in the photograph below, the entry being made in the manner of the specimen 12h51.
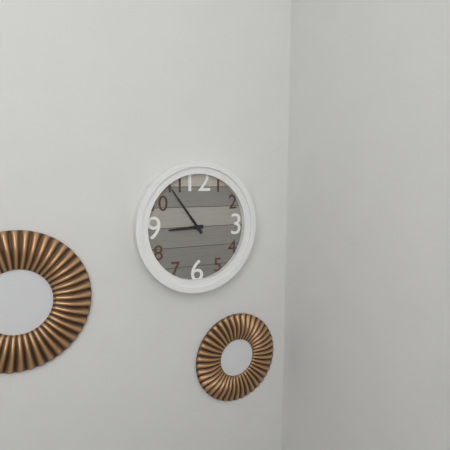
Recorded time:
8h54
